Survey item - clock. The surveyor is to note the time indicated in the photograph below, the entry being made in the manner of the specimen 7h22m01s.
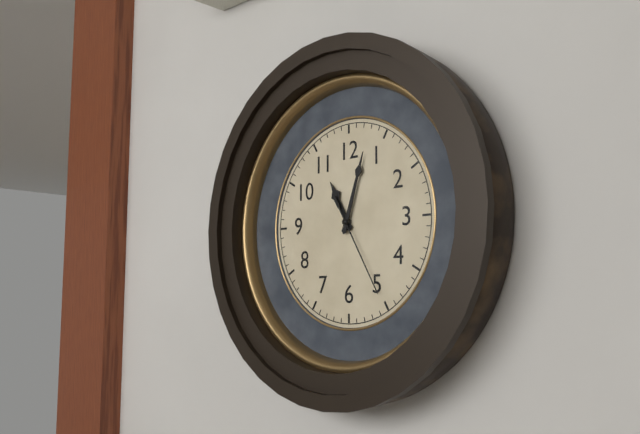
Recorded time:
11h03m25s
